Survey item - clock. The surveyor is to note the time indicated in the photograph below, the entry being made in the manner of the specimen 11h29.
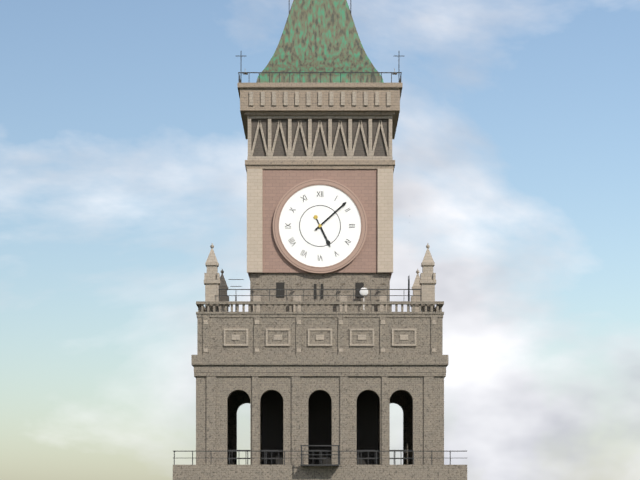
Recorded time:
5h08
